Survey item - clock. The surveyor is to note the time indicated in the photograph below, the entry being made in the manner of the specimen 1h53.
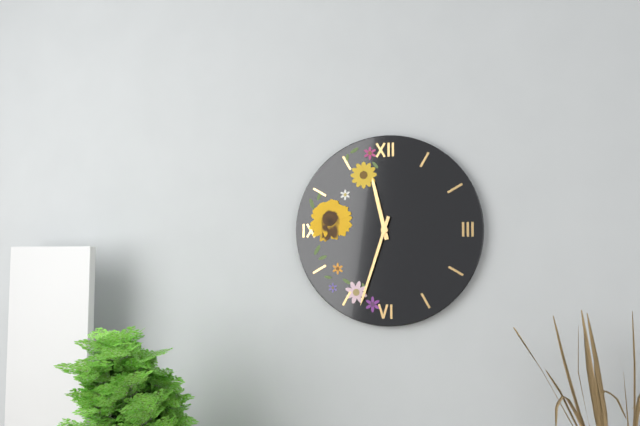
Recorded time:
11h33
